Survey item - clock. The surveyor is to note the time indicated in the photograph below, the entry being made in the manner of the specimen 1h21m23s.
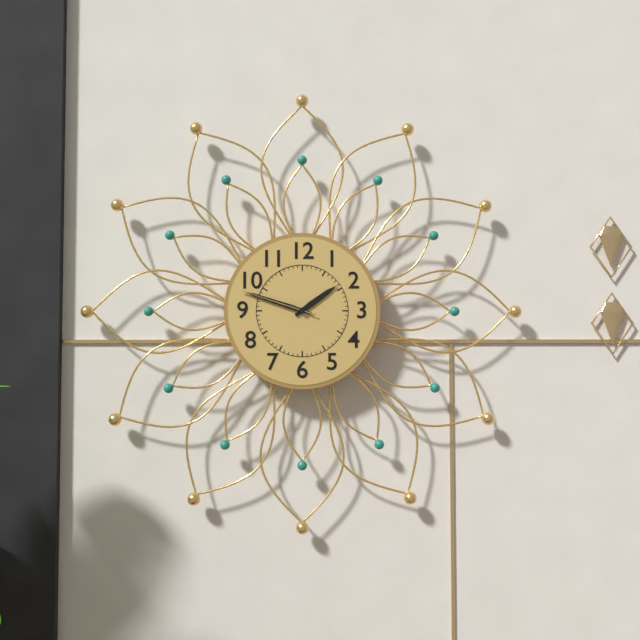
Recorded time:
1h48m48s
